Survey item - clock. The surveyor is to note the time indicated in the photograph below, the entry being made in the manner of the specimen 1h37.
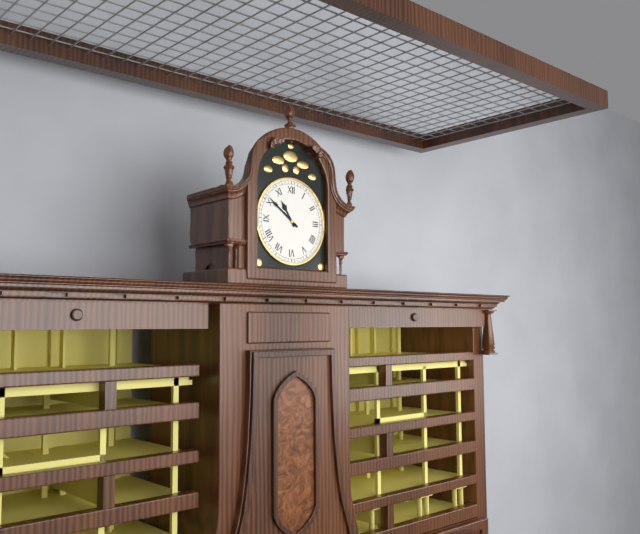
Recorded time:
10h51
